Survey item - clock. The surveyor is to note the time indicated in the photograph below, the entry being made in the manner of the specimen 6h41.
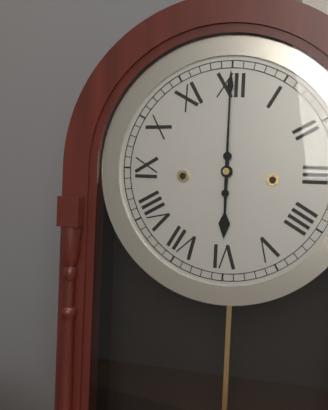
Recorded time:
6h00
